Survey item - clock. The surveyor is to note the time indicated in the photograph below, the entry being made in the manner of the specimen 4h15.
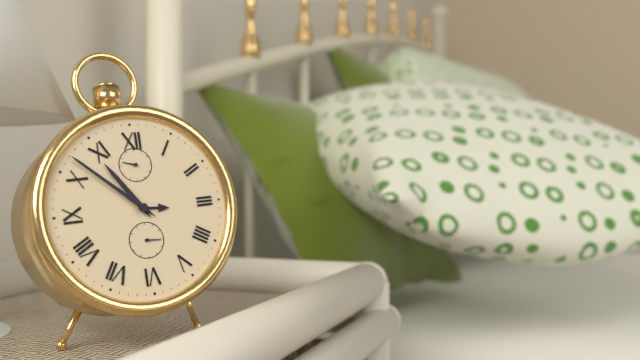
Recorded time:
10h52
